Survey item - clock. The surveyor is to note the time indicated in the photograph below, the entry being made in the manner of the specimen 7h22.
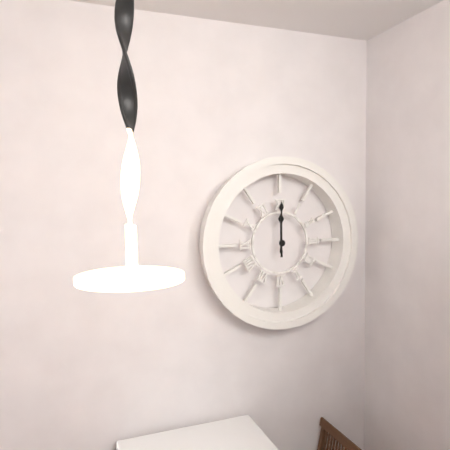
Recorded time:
12h00
